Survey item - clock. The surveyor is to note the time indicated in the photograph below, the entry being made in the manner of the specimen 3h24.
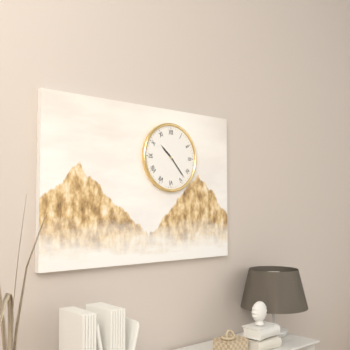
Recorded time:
10h23
